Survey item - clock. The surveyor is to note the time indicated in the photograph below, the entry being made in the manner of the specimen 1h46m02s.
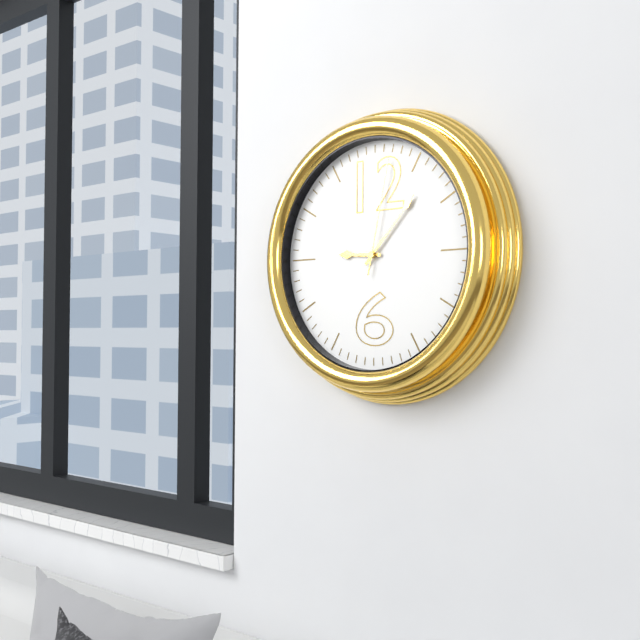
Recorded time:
9h07m02s
